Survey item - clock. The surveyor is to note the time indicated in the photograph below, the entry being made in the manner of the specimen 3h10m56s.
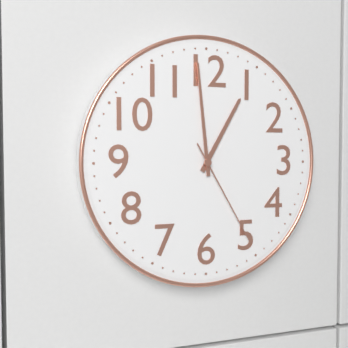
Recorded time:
12h59m25s
